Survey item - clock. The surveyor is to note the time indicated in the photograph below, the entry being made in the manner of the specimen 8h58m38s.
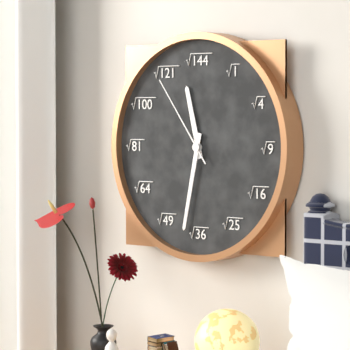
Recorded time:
11h32m54s
